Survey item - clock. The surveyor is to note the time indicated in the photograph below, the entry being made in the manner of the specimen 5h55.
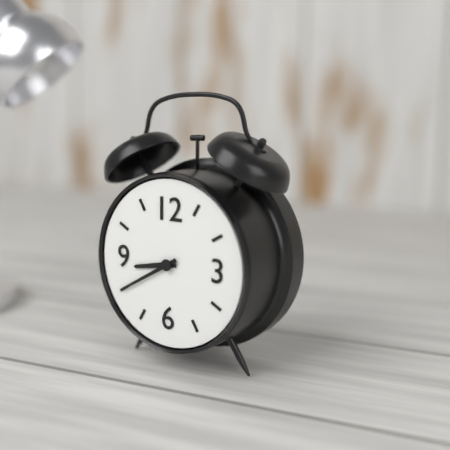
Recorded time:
8h40
